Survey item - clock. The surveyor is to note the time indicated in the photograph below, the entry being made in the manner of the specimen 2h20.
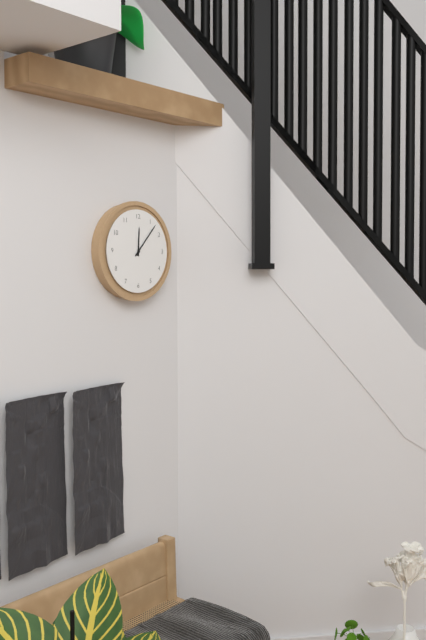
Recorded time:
12h07
